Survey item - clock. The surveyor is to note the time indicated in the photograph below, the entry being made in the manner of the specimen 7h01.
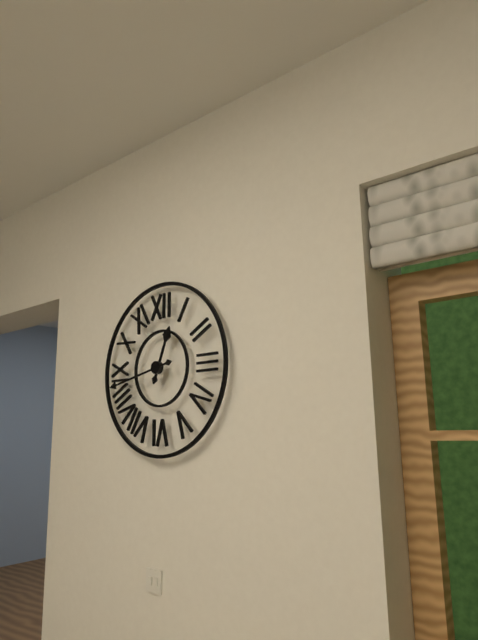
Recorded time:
12h43
